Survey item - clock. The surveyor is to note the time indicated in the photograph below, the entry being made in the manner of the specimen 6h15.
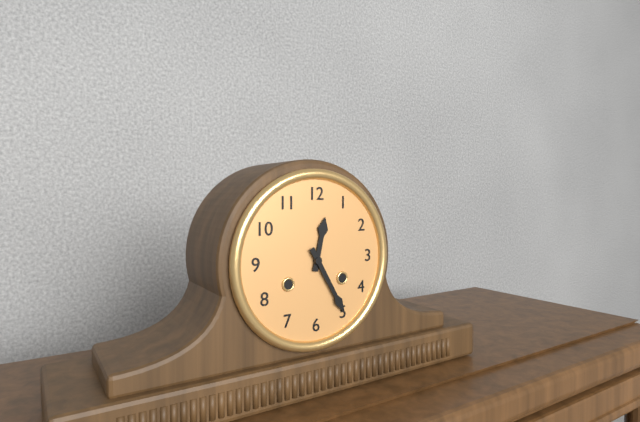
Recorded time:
12h25
